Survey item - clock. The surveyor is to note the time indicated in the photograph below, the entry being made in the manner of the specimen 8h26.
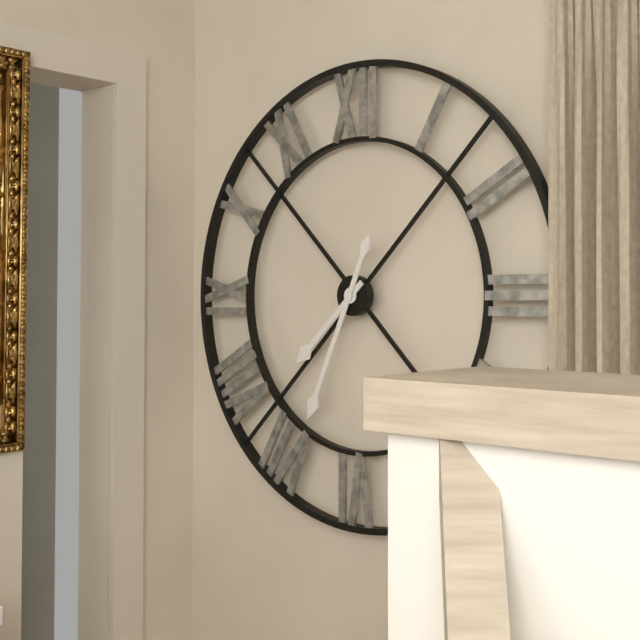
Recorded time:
7h34
